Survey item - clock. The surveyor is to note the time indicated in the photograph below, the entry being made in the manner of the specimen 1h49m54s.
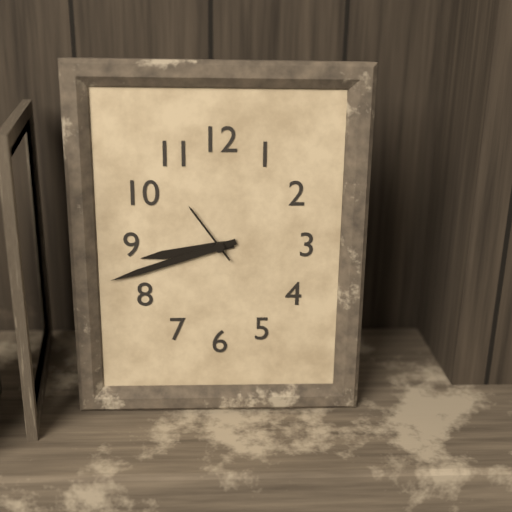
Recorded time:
8h42m54s
